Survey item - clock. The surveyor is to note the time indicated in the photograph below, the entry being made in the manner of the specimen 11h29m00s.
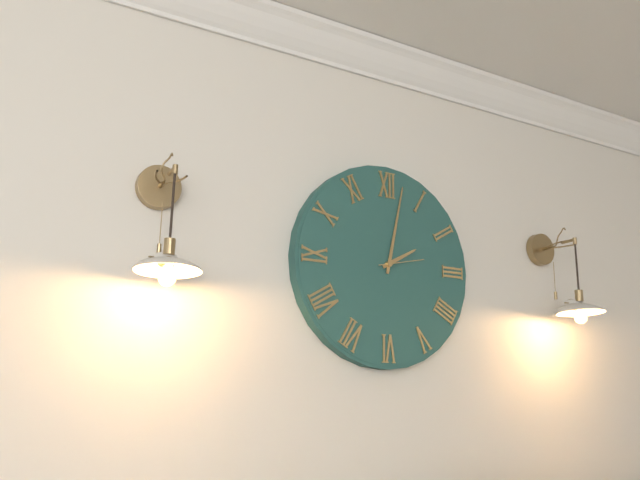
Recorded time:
2h02m13s
